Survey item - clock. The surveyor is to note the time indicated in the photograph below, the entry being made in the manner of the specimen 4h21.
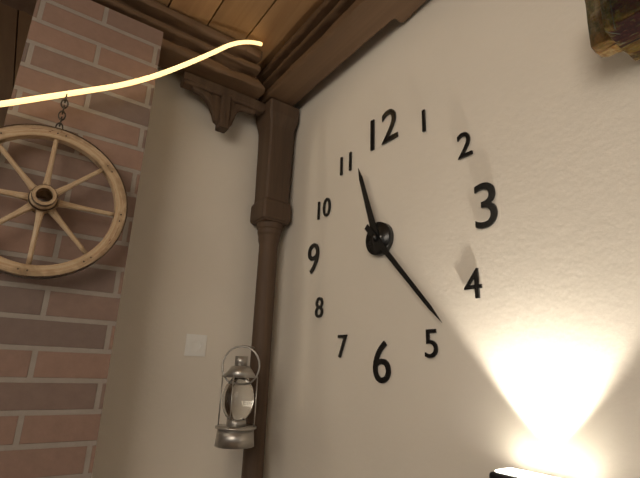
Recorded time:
11h23
